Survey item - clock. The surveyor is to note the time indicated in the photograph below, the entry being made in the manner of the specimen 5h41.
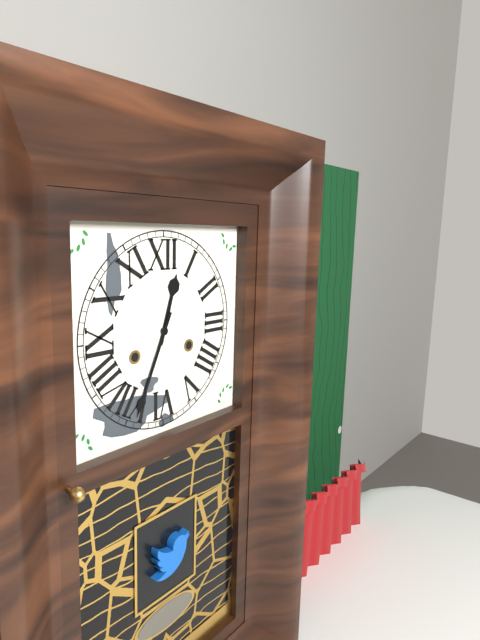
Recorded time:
12h34
